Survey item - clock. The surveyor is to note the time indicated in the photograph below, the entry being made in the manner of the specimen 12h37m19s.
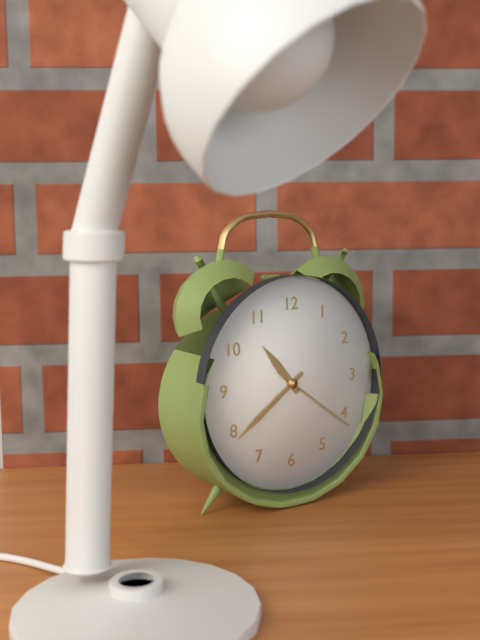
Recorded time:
10h39m21s
